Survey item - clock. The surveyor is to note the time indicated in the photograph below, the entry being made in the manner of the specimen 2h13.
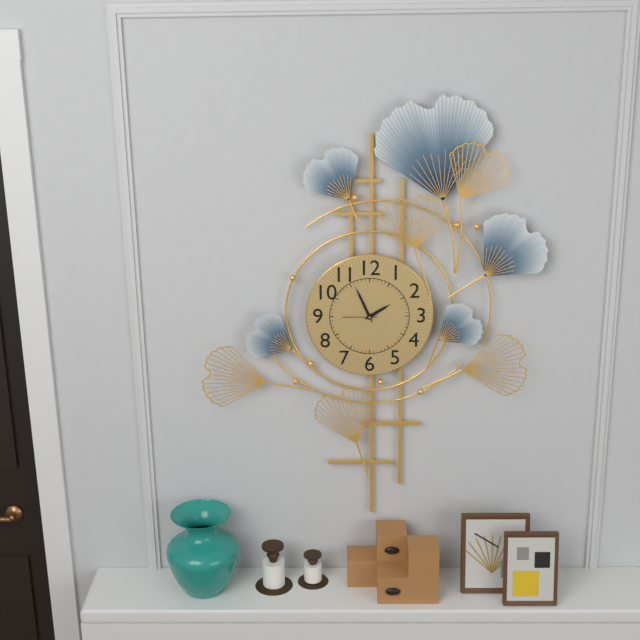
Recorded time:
1h56
